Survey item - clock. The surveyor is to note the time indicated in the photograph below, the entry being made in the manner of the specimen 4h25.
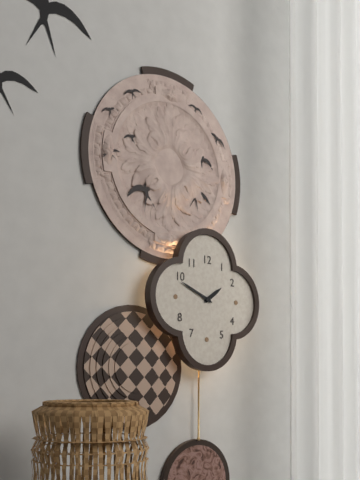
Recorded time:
1h49
